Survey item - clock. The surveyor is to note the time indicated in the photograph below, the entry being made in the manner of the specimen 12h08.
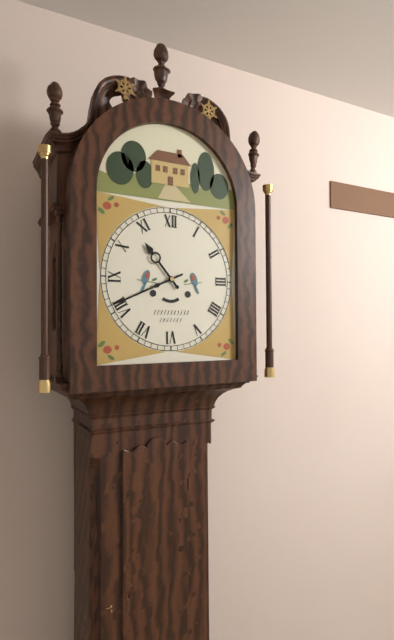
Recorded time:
10h41
